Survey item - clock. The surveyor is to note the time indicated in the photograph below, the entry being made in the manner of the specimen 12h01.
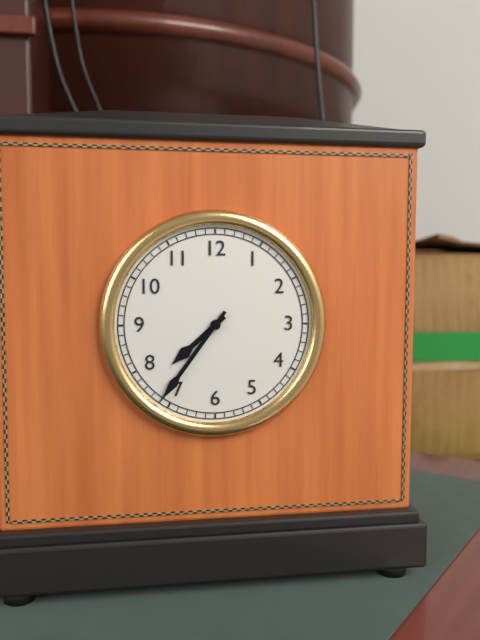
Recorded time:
7h36
